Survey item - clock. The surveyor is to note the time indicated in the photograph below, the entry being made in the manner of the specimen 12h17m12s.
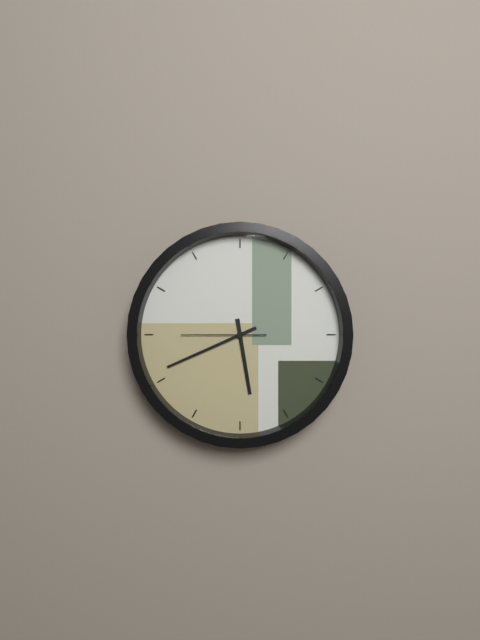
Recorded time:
5h41m45s
